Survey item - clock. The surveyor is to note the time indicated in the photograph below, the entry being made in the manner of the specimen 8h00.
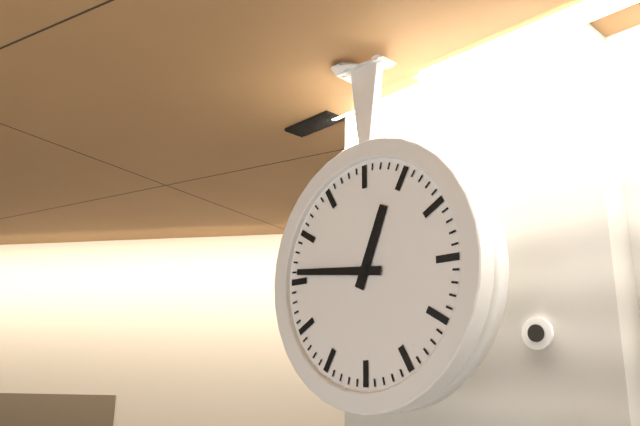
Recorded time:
12h46
